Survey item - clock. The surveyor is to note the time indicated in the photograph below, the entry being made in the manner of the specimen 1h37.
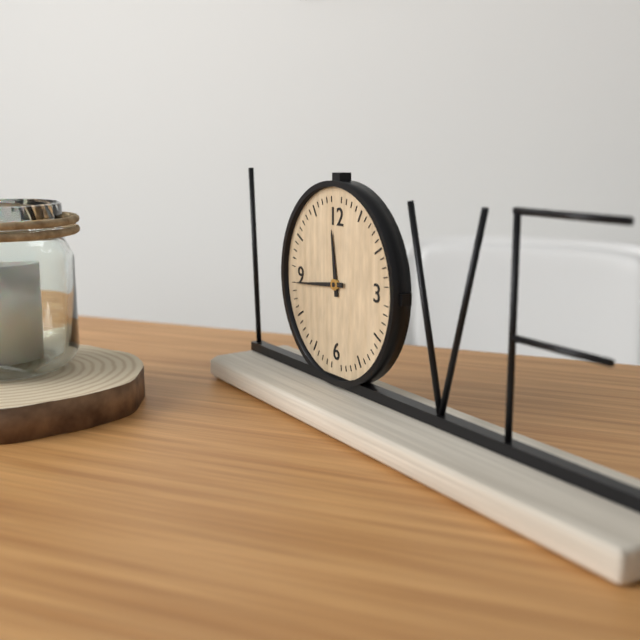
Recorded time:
11h44
